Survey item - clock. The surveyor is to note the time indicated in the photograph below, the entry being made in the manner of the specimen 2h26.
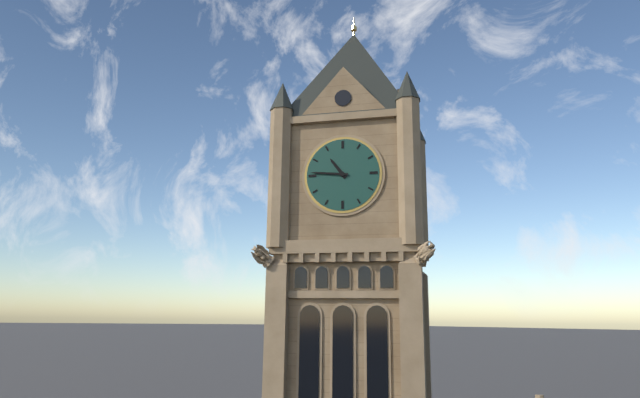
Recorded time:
10h46
